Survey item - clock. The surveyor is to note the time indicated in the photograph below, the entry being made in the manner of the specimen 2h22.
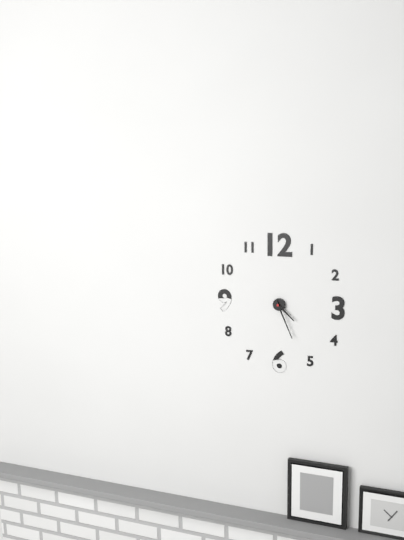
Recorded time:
4h26
